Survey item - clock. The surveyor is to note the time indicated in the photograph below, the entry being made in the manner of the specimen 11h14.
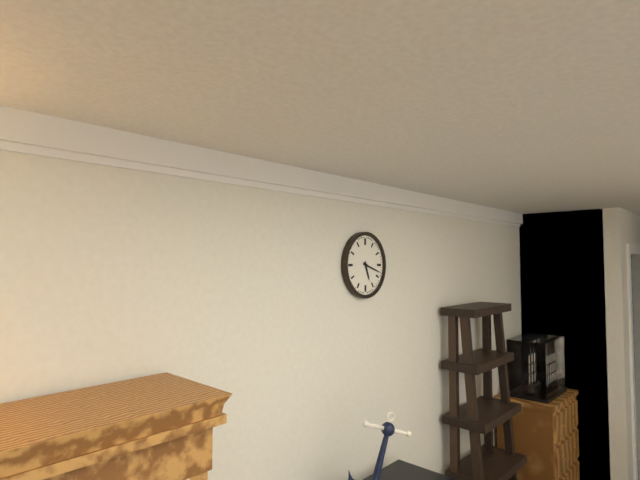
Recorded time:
5h18
